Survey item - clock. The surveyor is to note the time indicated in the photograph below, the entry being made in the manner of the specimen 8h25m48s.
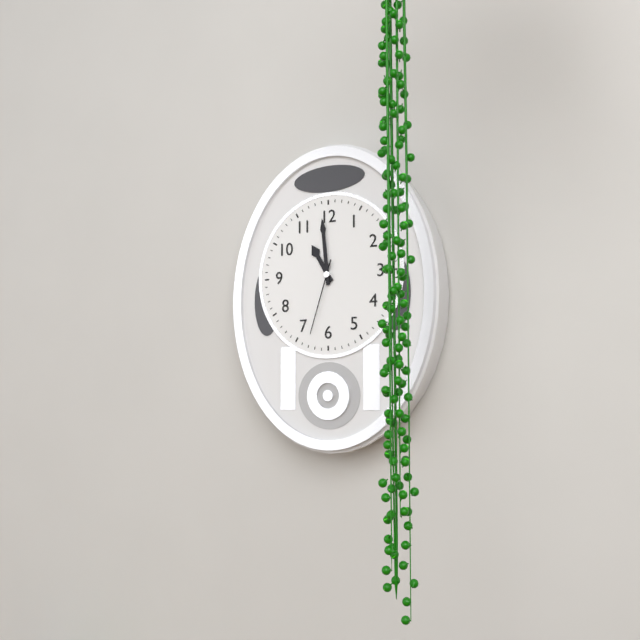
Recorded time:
10h59m33s
